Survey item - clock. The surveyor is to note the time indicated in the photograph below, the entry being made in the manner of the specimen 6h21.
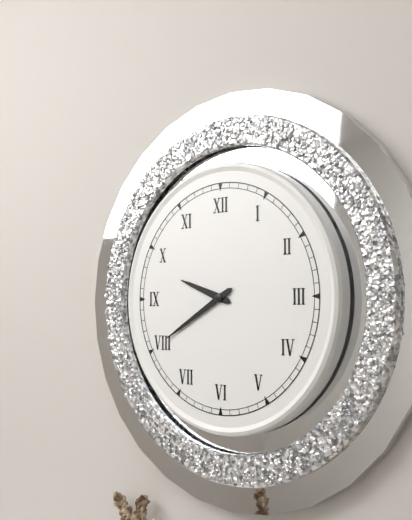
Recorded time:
9h40
